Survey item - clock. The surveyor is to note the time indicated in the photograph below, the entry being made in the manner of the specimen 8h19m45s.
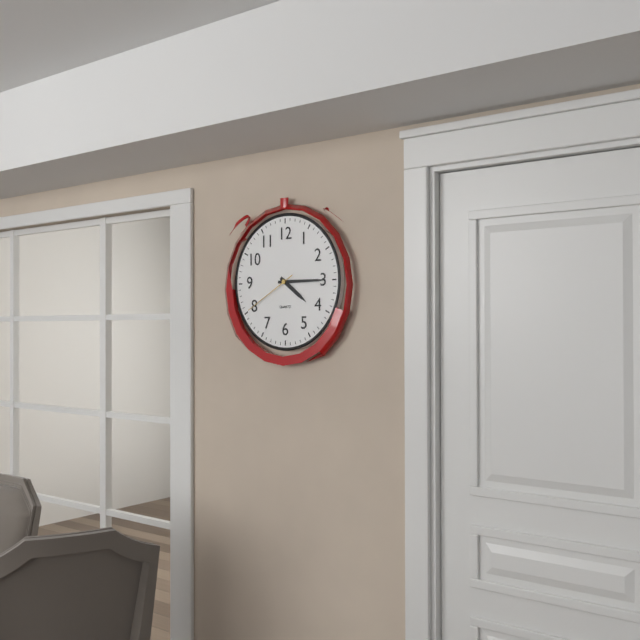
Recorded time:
4h15m40s
